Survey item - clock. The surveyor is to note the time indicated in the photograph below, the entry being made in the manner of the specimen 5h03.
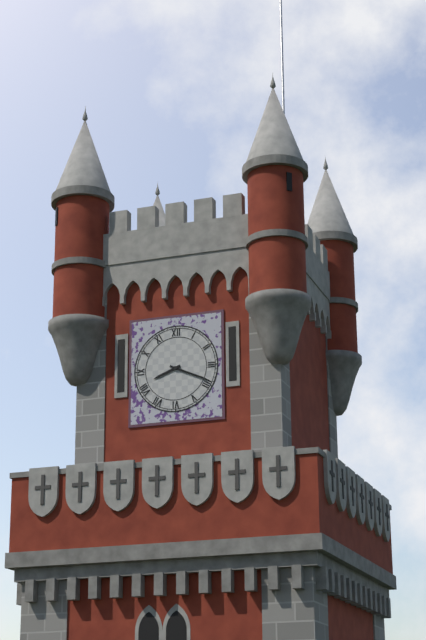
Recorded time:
8h19
